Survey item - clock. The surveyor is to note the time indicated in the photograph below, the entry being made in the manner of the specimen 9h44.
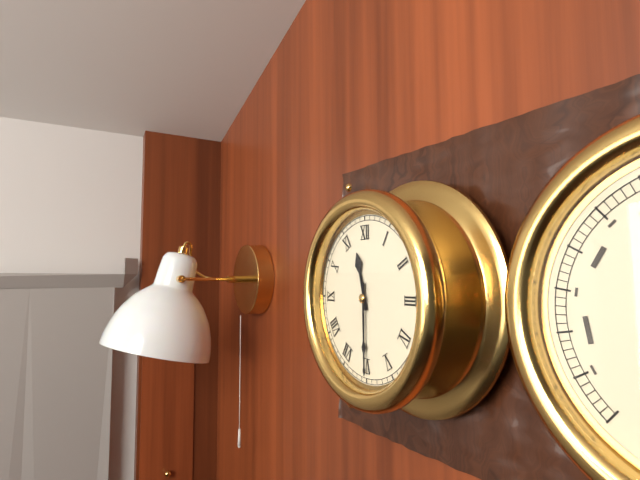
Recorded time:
11h30
